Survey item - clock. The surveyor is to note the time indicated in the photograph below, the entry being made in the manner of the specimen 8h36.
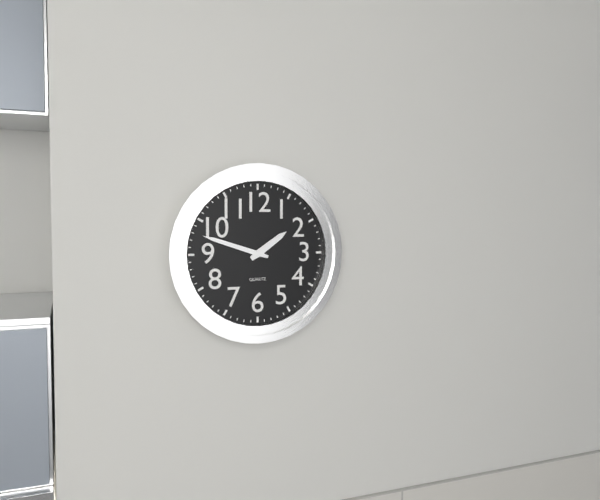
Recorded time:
1h48
